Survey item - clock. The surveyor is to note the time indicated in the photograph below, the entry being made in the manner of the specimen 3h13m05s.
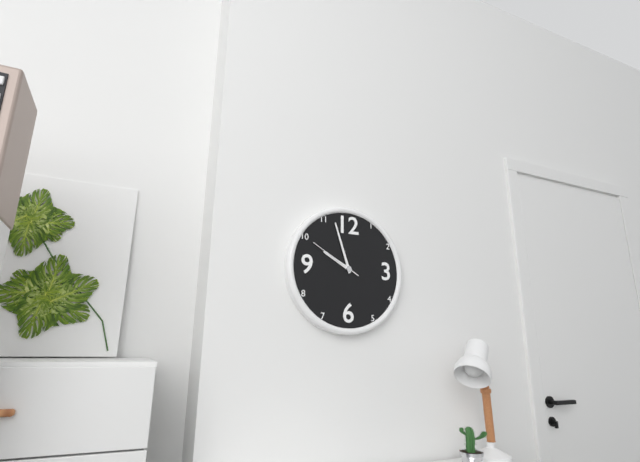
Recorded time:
9h57m50s
